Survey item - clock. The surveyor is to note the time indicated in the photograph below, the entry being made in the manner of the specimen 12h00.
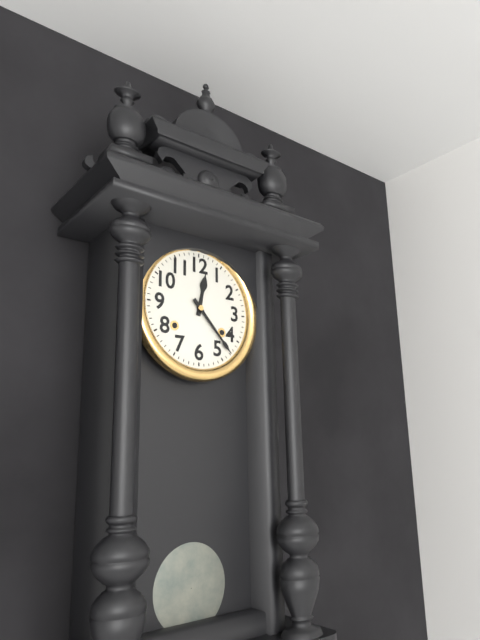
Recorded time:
12h23
